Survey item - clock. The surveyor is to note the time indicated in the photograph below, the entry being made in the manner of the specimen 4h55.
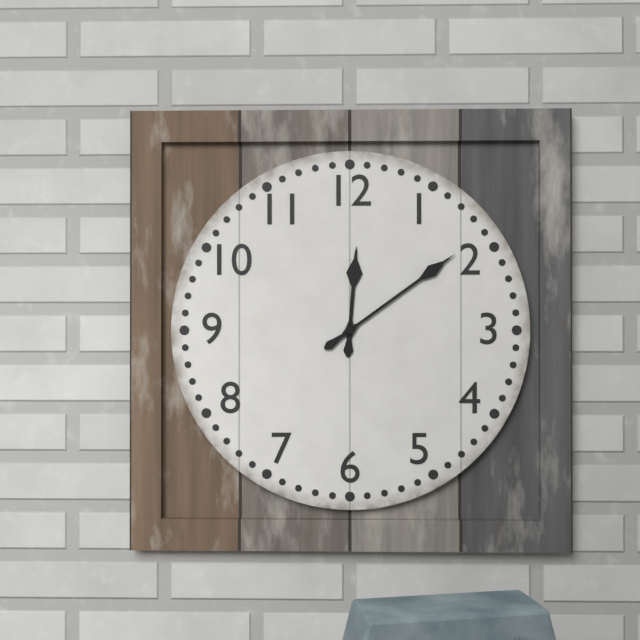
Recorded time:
12h09
